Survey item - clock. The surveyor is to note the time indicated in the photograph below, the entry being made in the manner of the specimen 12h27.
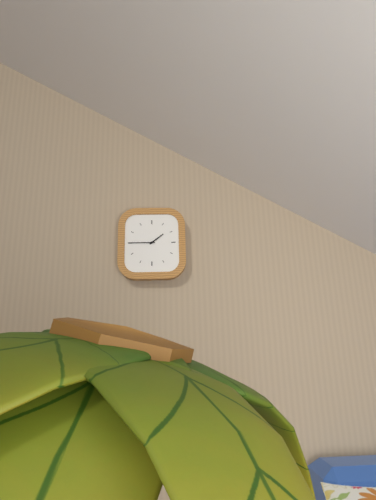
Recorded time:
1h45
